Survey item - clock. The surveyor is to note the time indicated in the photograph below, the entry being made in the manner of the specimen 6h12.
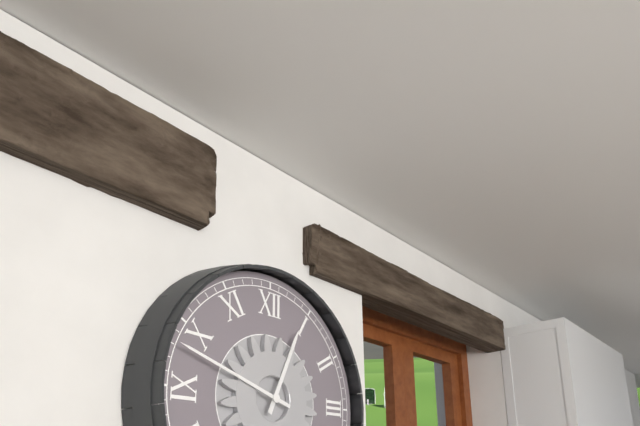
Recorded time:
12h48
